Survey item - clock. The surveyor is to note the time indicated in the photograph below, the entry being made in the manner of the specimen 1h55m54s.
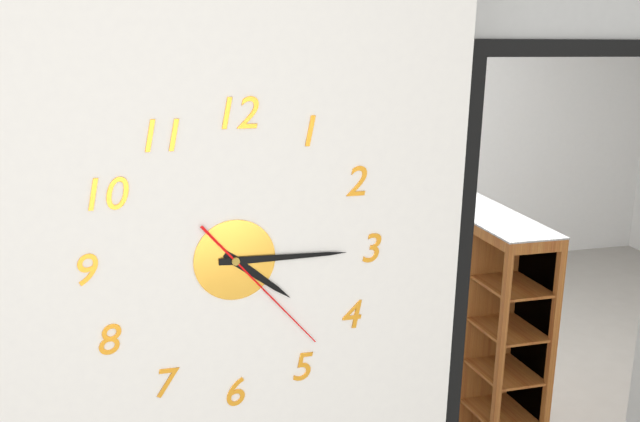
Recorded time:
4h15m23s
